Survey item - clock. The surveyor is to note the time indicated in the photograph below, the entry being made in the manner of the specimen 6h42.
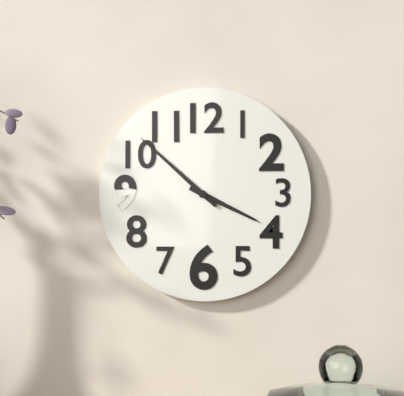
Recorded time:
3h52
